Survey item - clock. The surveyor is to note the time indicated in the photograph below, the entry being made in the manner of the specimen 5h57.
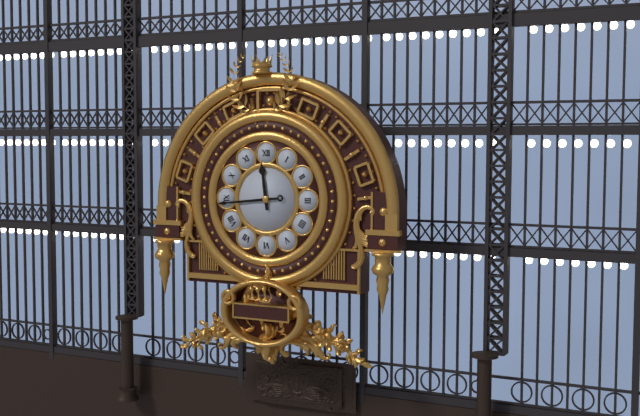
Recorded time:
11h44
